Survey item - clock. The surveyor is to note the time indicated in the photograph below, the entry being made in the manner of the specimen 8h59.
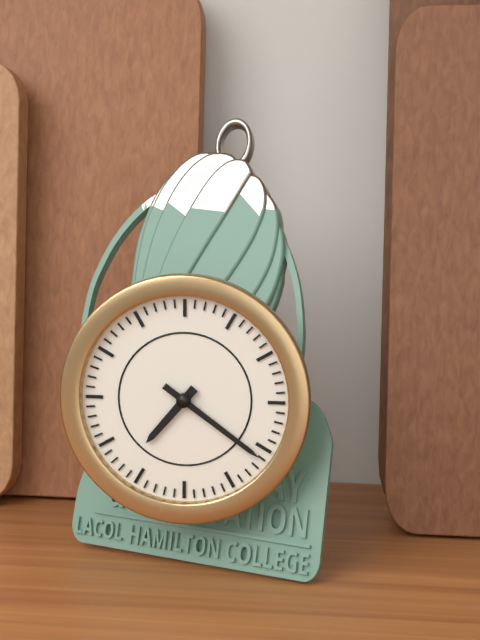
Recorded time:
7h21
